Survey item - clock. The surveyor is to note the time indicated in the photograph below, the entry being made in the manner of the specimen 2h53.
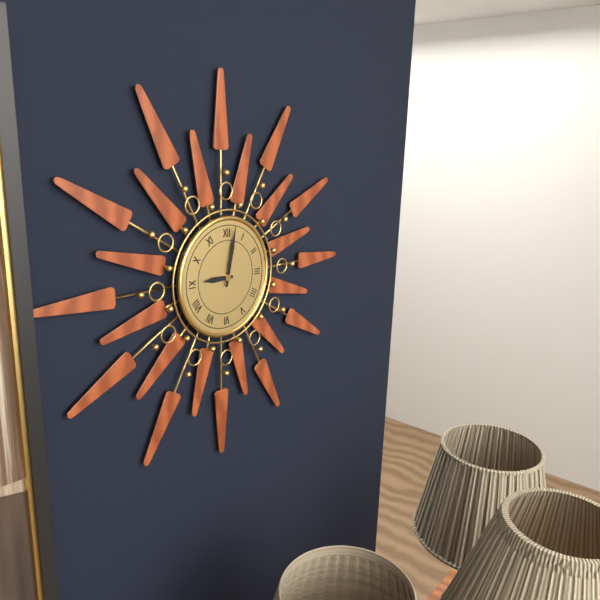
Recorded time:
9h02
